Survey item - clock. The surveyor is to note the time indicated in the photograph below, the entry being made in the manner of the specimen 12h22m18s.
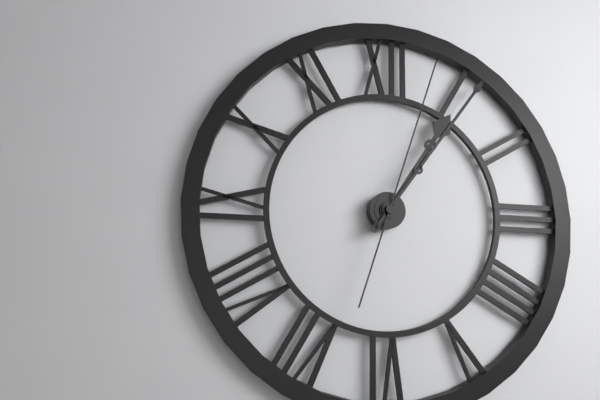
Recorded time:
1h06m03s
